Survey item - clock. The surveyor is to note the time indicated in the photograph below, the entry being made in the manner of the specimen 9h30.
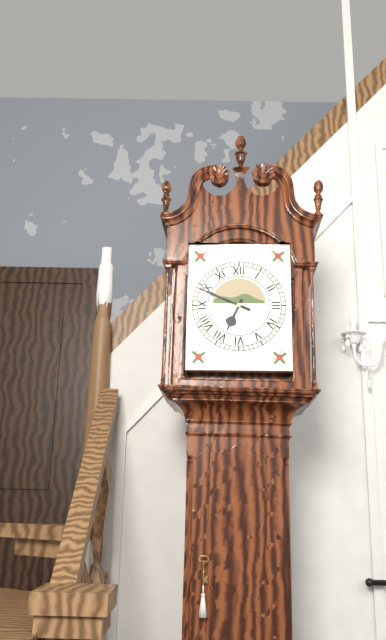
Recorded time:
6h49
